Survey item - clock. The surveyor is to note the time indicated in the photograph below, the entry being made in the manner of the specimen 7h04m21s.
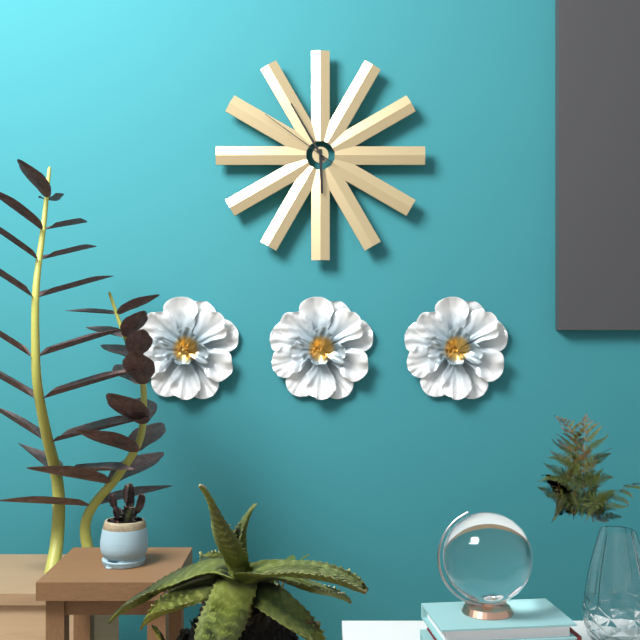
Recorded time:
5h55m51s
